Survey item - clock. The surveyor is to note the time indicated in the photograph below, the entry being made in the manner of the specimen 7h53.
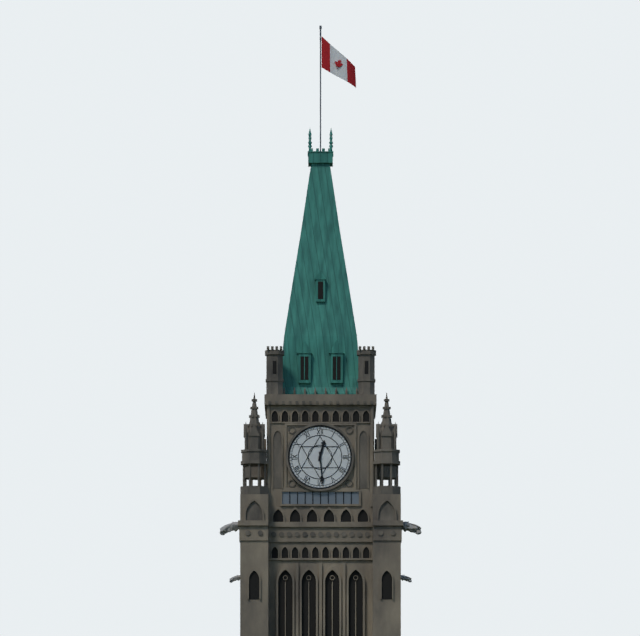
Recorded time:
12h29
